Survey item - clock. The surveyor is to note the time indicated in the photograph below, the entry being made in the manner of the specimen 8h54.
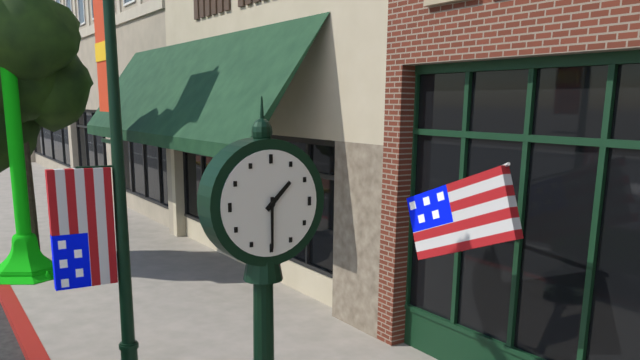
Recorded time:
1h30
